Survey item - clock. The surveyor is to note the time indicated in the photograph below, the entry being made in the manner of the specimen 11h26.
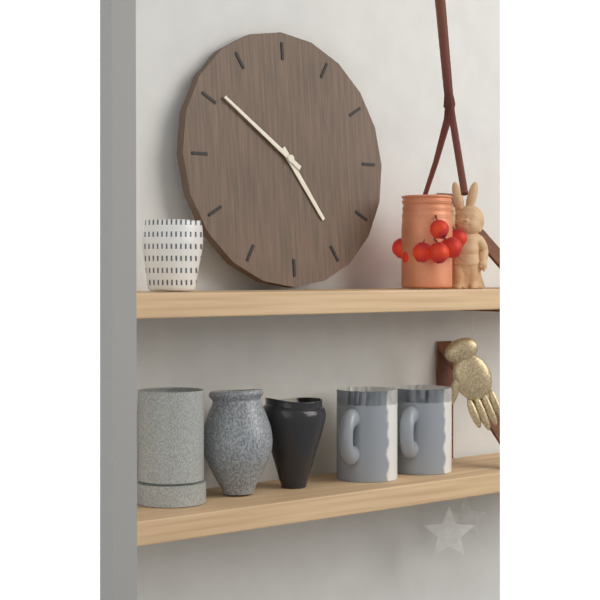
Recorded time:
4h51
